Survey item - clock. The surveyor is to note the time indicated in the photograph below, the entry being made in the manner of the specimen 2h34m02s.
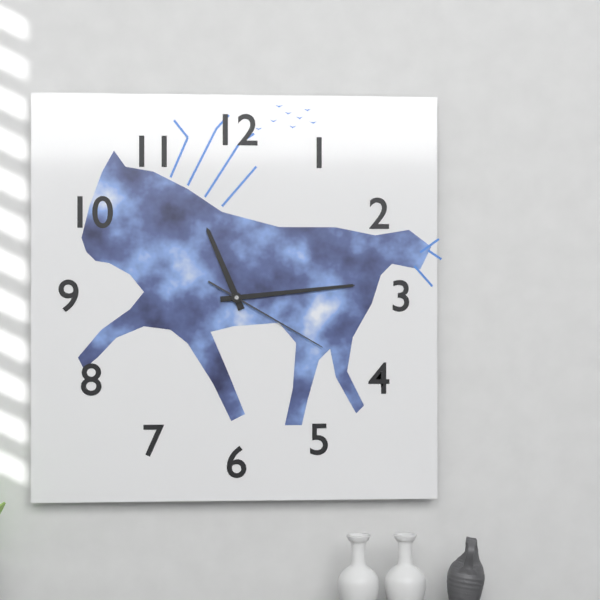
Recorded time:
11h14m20s
